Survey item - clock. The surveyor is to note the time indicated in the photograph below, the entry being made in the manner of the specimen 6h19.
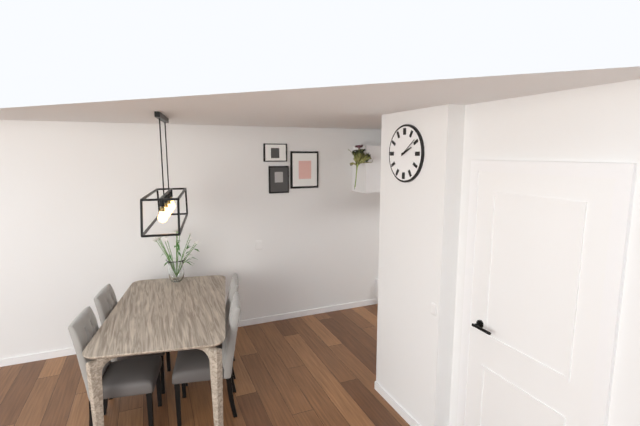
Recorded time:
2h09
